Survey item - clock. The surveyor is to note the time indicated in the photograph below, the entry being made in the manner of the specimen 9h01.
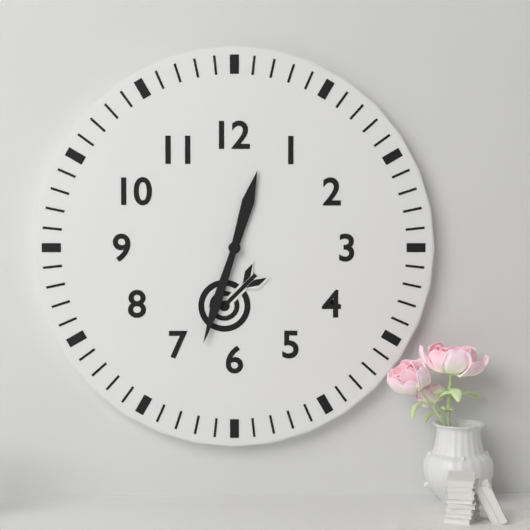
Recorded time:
12h33
